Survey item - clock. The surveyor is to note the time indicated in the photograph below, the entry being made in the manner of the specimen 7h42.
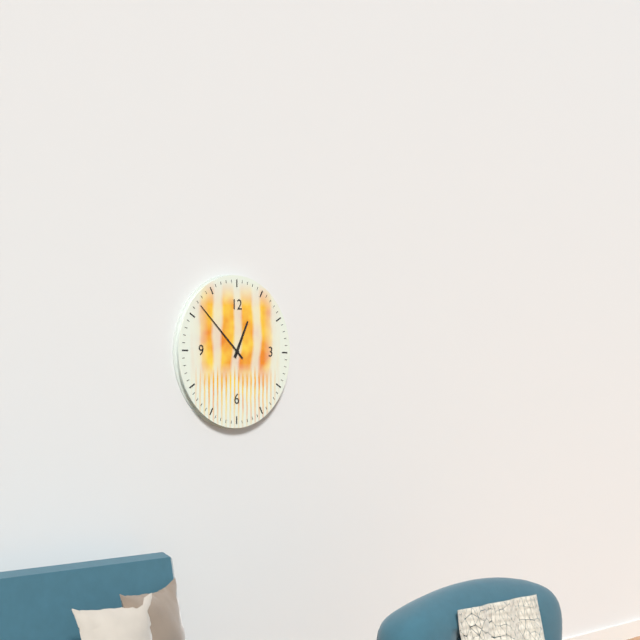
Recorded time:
12h52
